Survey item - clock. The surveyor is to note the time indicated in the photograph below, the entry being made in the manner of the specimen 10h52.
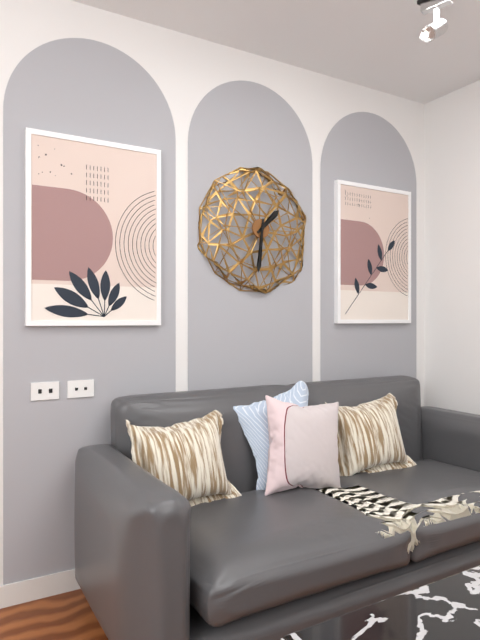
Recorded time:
1h31
